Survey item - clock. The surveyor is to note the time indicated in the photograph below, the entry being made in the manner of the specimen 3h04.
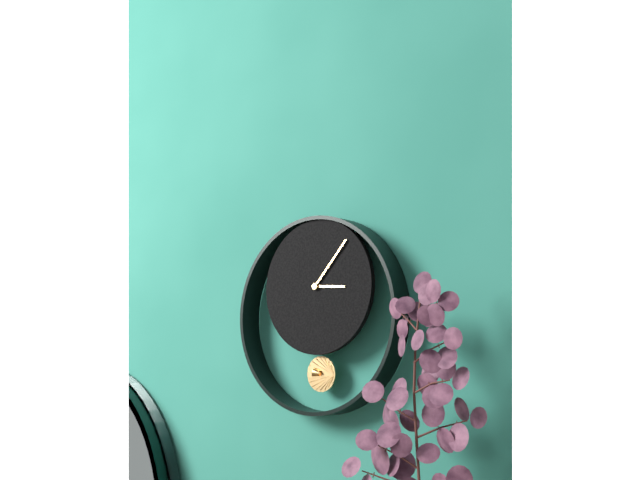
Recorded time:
3h07
